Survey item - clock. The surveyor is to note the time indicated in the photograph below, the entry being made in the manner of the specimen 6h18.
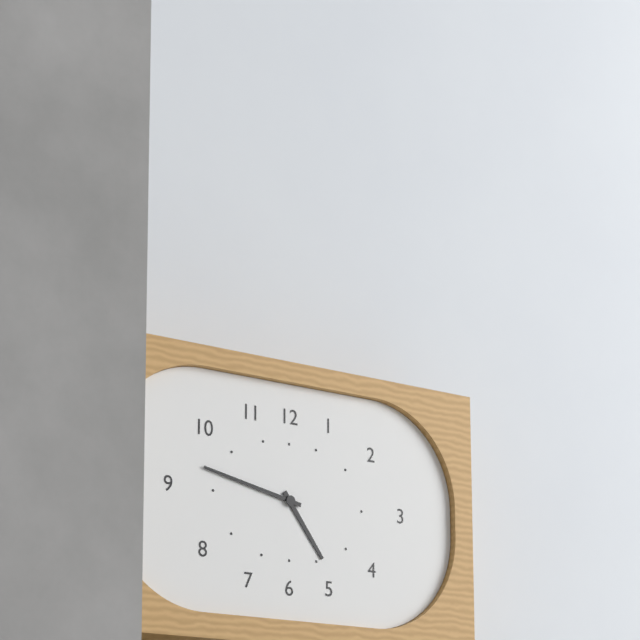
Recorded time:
4h47
